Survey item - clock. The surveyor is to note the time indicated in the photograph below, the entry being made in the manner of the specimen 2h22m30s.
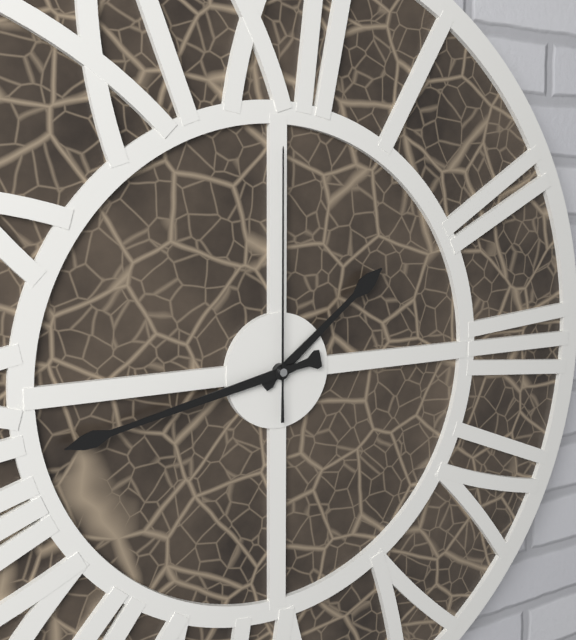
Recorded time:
1h43m00s
